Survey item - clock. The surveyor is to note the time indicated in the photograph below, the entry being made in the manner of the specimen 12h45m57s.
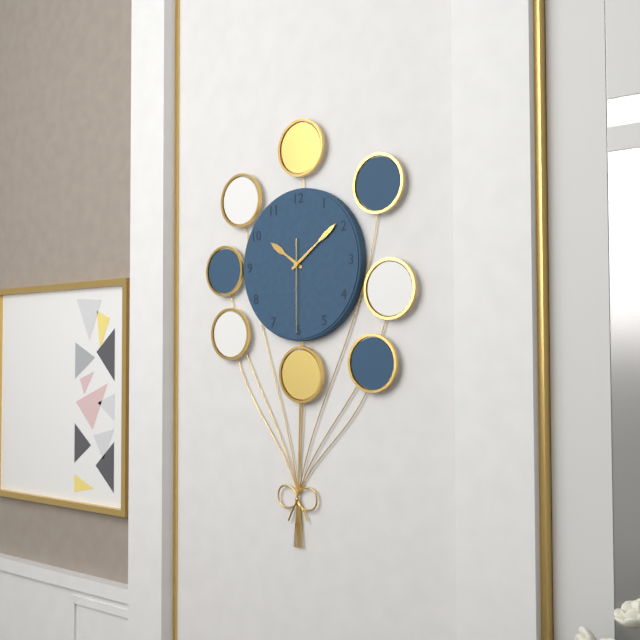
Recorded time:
10h09m30s
